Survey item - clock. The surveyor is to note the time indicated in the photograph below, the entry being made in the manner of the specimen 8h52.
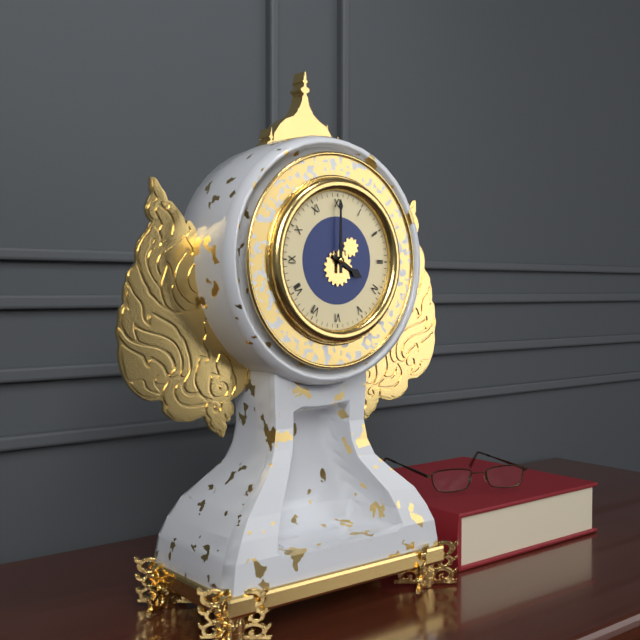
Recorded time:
4h00
